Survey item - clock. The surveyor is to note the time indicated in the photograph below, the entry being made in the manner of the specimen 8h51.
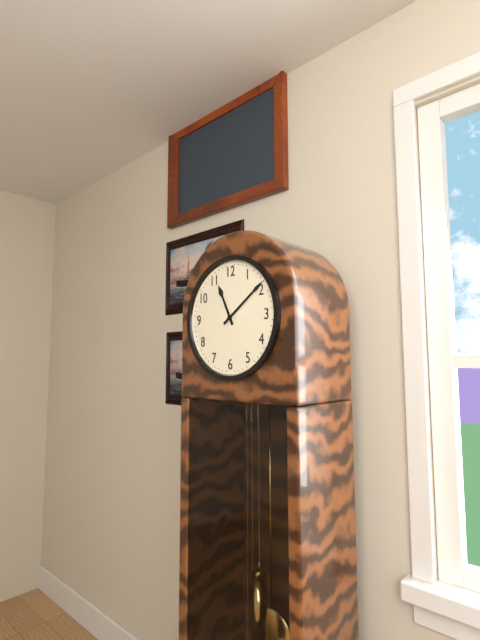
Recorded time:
11h09
